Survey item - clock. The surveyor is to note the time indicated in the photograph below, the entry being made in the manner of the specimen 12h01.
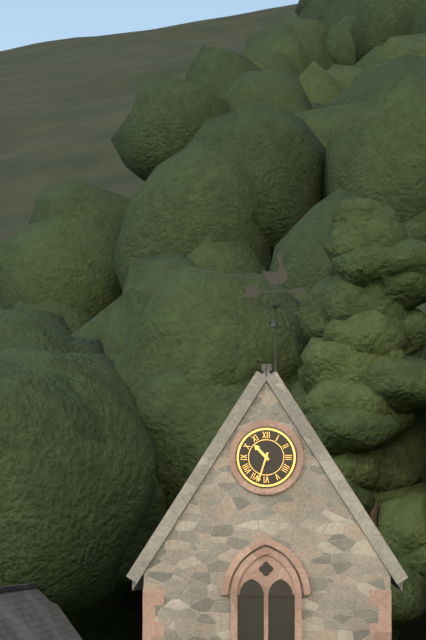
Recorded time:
10h33
